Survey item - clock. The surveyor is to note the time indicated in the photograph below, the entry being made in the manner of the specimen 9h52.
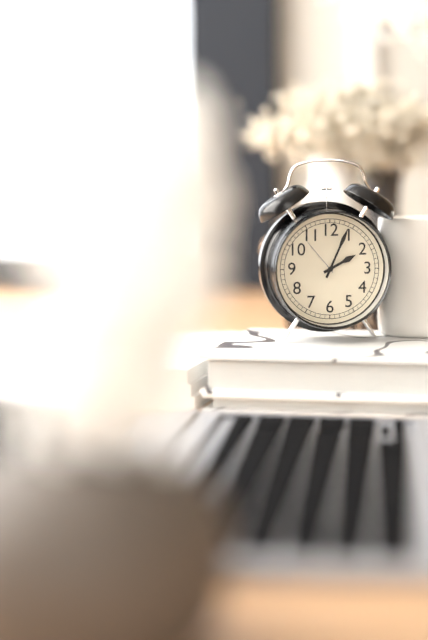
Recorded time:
2h04
